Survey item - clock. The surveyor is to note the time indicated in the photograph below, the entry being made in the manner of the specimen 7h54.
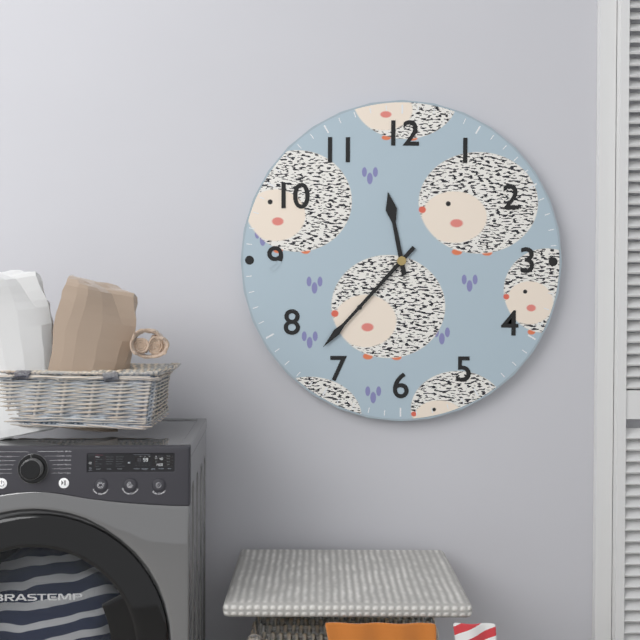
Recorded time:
11h37
